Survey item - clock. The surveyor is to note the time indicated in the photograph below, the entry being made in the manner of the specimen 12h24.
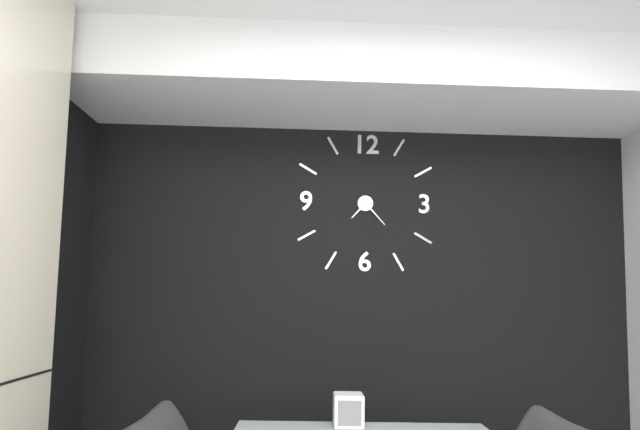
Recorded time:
7h23
